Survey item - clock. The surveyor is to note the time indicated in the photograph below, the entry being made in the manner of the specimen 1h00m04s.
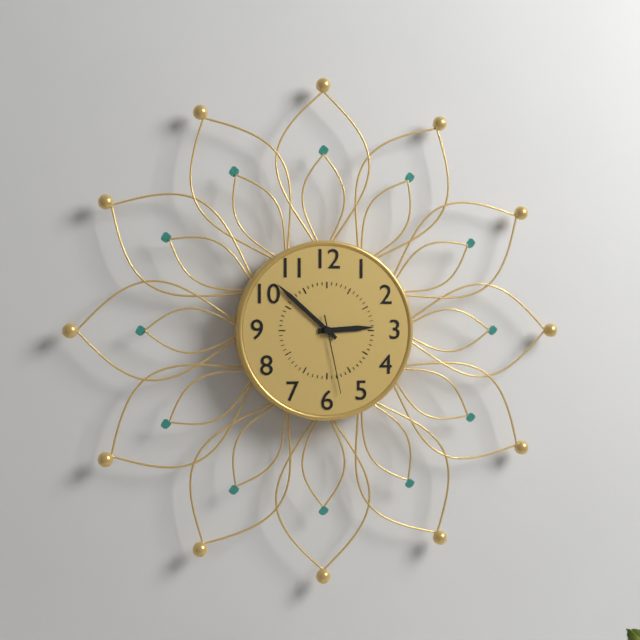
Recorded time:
2h52m28s
